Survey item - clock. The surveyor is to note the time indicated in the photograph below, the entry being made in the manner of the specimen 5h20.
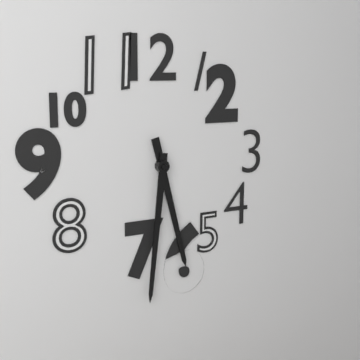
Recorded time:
5h31
